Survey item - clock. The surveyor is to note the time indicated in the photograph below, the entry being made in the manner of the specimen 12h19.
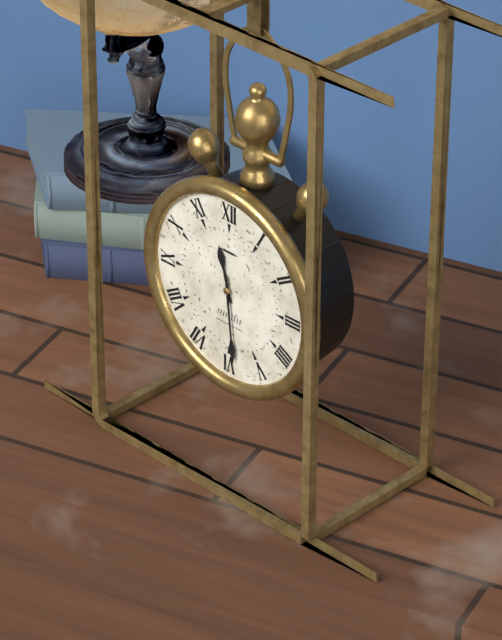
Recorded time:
11h29
